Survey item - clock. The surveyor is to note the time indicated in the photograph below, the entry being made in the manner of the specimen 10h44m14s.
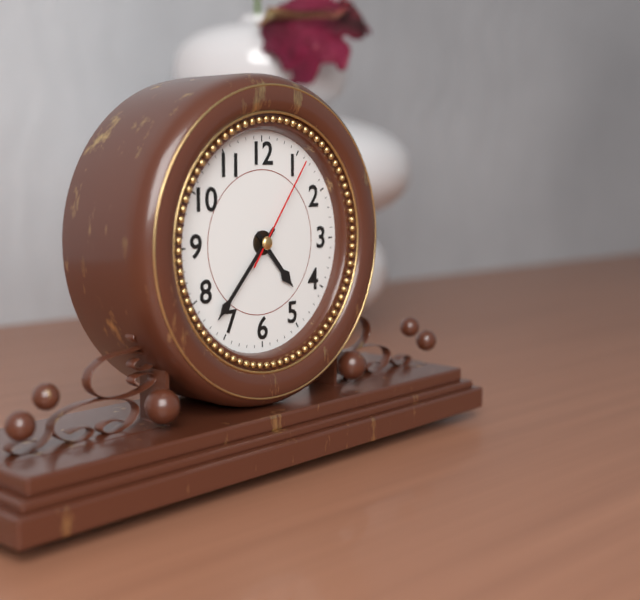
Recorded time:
4h37m06s
